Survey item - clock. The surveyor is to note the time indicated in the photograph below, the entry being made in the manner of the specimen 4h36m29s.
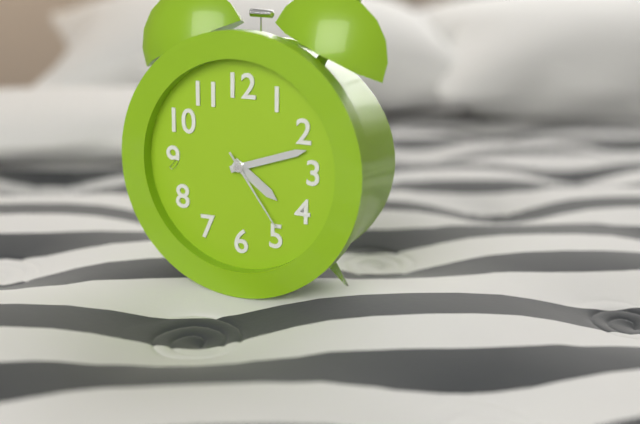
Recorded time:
4h12m24s
